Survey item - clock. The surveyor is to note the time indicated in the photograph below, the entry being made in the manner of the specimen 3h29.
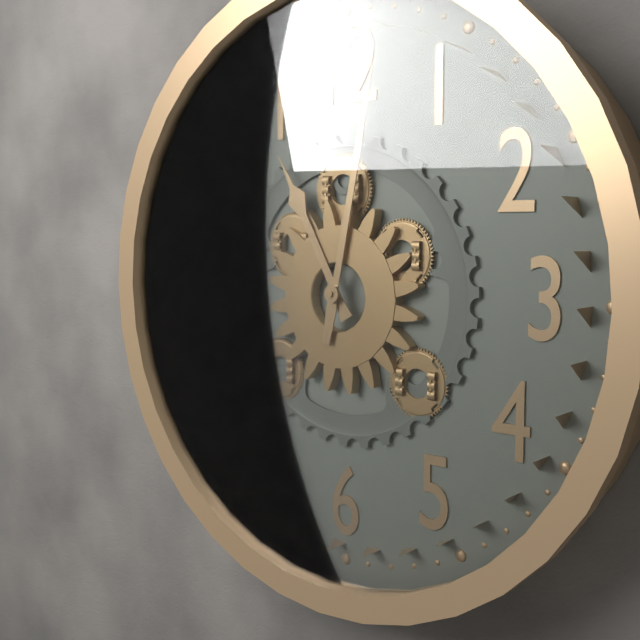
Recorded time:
11h02
